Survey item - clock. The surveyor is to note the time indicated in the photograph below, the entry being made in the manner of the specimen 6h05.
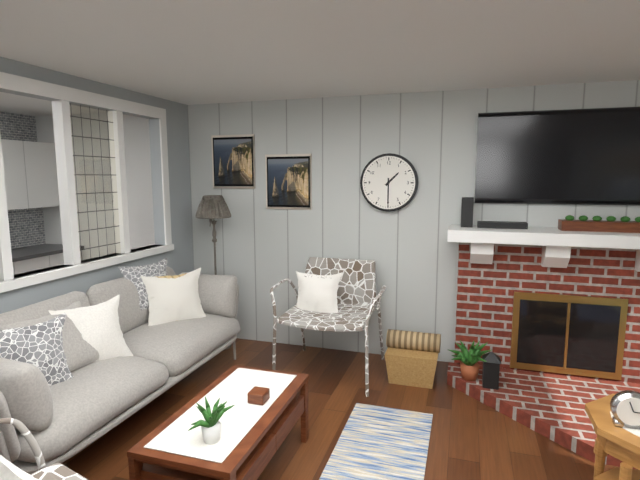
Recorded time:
1h30
